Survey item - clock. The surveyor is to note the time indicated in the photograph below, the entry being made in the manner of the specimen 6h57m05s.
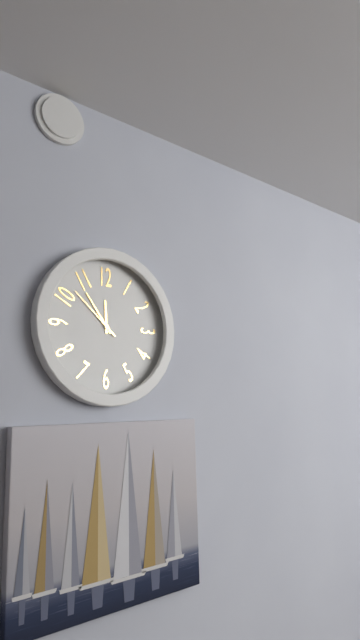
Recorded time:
11h54m52s
